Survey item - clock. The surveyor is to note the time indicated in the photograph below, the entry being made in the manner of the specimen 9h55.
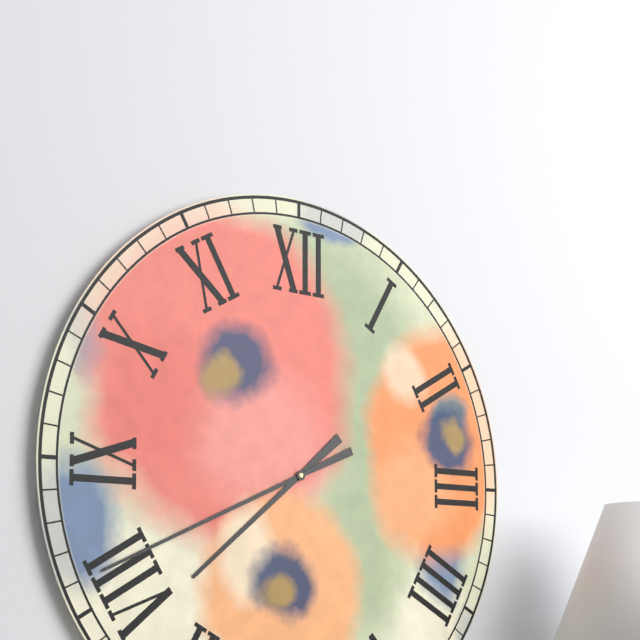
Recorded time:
7h41
